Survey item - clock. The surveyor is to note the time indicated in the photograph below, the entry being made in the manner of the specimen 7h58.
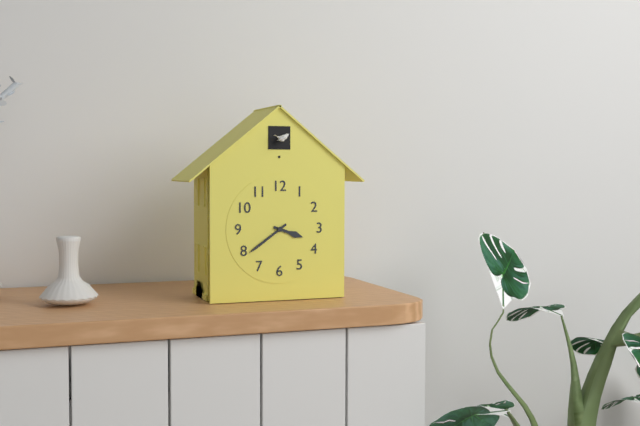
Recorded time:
3h39
